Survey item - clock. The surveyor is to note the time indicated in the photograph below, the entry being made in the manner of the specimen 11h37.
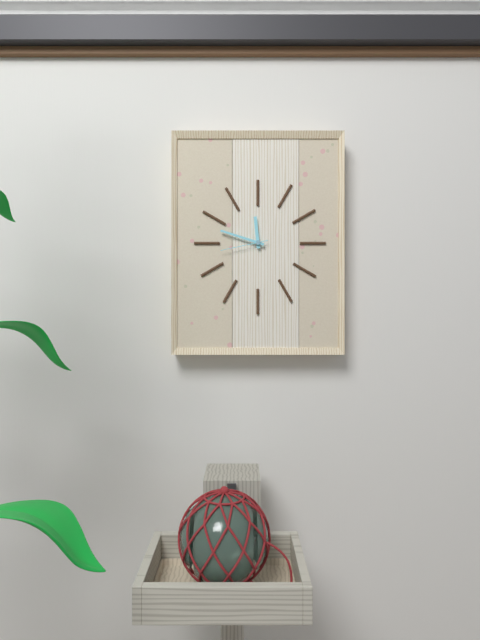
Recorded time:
11h48
